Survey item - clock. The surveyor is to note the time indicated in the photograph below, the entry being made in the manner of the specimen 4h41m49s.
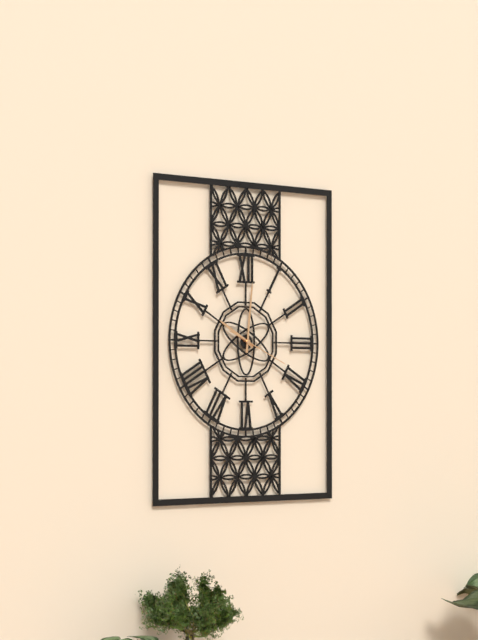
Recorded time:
10h01m19s
